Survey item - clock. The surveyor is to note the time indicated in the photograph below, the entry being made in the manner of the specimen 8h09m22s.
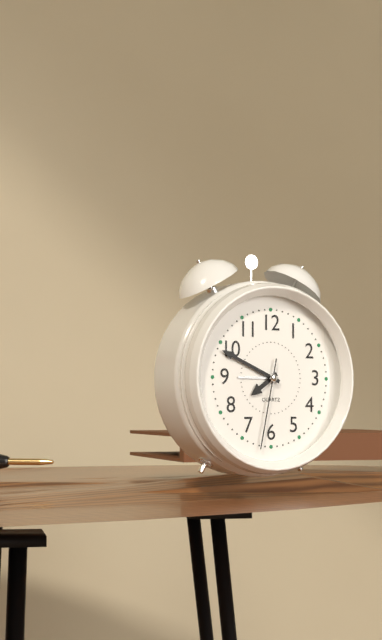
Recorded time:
7h49m32s
